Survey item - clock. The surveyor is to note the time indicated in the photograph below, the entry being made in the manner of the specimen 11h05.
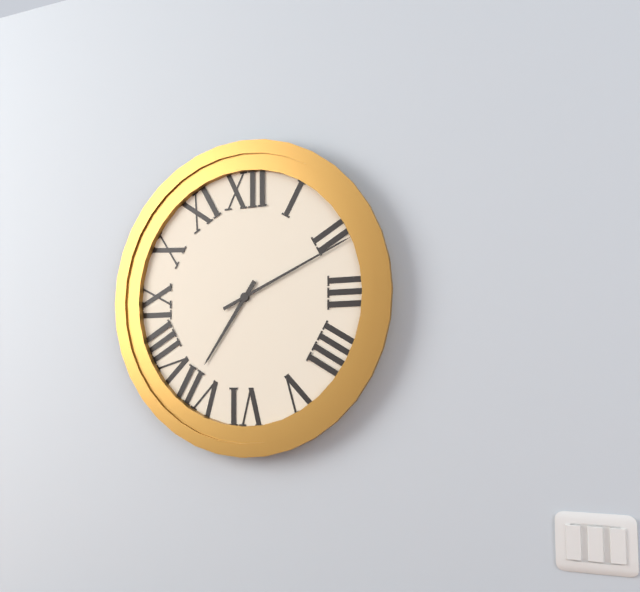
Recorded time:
7h11
